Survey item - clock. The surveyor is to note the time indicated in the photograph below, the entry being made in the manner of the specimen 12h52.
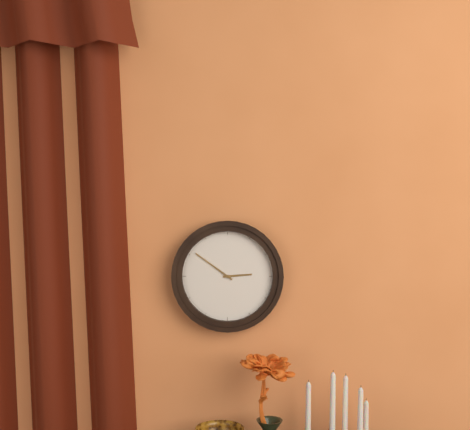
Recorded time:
2h51
